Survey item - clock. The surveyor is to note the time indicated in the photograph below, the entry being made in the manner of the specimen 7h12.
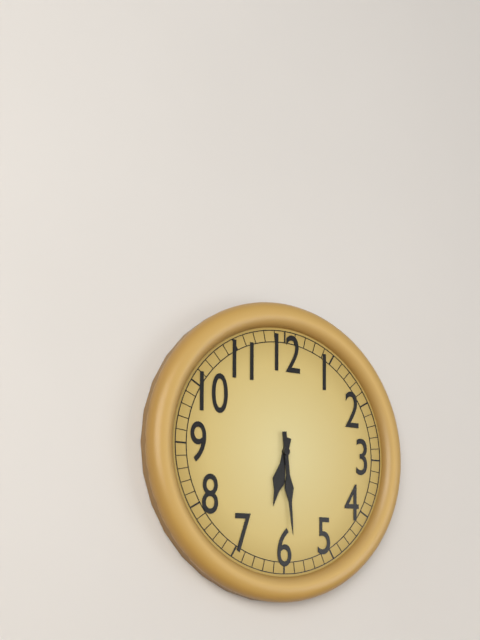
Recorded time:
6h29
